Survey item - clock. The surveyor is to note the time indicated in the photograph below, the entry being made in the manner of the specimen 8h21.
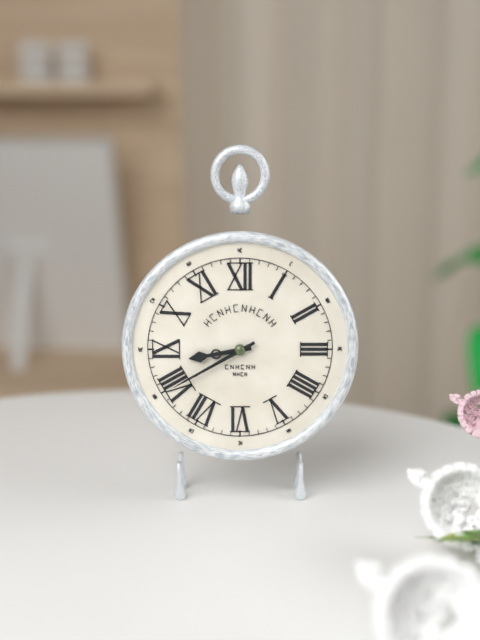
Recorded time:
8h40
